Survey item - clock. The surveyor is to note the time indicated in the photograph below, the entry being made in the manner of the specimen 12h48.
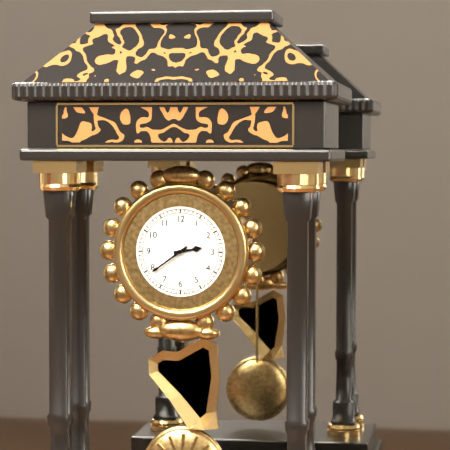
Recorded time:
2h39
